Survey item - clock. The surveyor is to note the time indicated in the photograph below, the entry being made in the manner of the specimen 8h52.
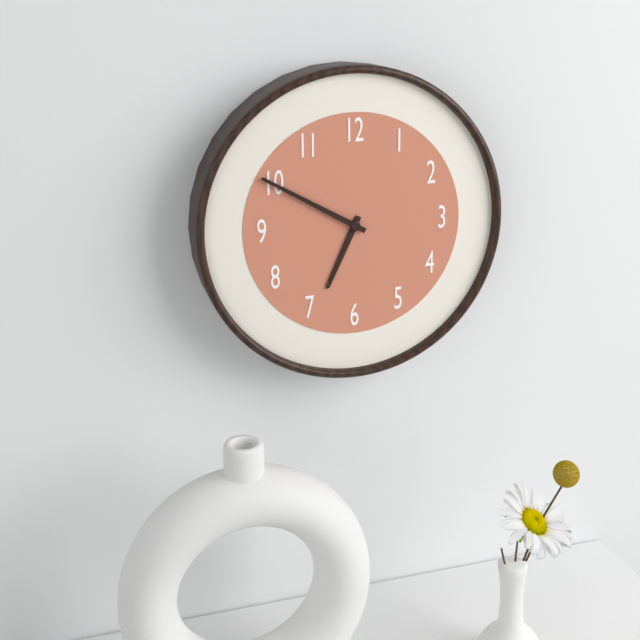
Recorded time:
6h50
